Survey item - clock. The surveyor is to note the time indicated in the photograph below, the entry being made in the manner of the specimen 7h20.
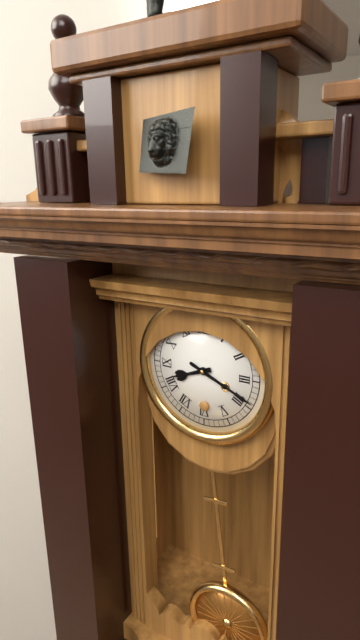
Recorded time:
8h19
